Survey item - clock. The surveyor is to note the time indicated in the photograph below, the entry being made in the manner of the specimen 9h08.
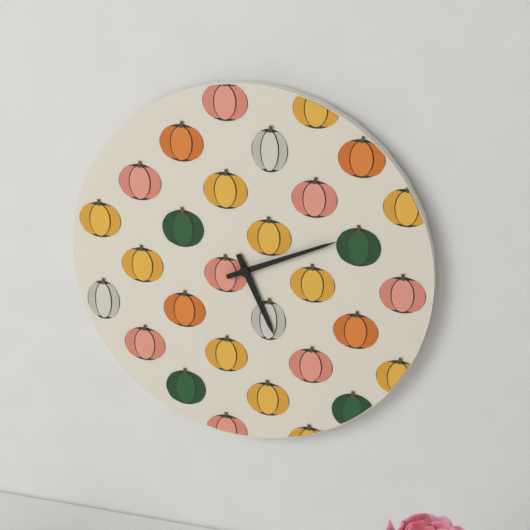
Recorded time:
5h11
